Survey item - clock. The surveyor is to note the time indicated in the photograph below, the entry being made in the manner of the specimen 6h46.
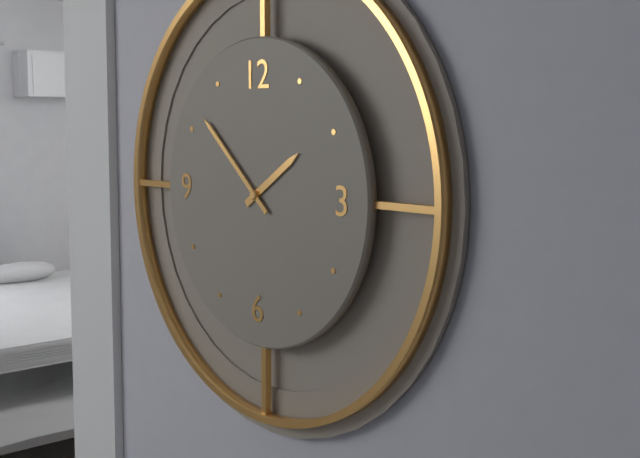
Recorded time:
1h52
